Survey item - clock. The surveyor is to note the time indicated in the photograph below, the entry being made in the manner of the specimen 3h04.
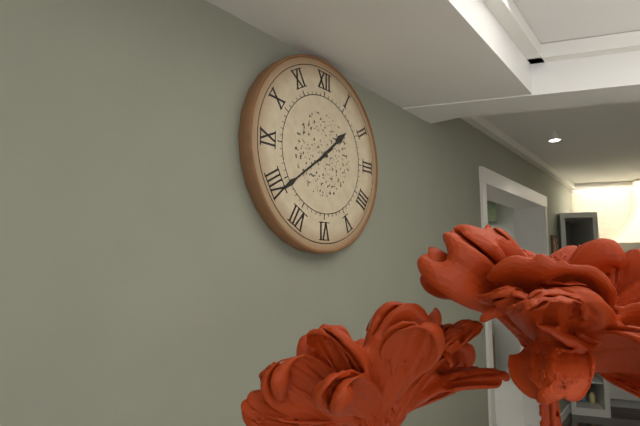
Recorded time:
1h39
